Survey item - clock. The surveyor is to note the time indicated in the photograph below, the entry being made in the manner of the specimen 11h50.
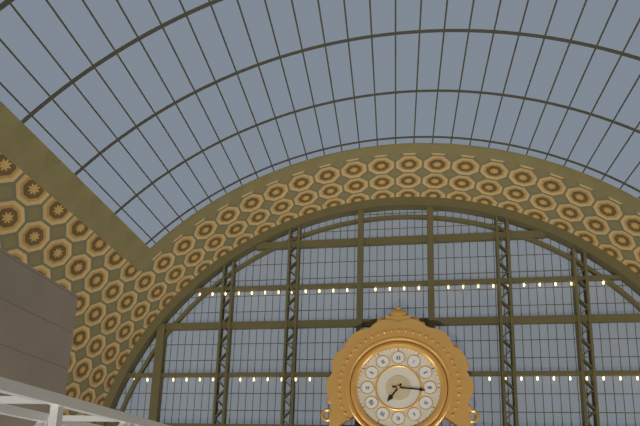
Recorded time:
7h16
